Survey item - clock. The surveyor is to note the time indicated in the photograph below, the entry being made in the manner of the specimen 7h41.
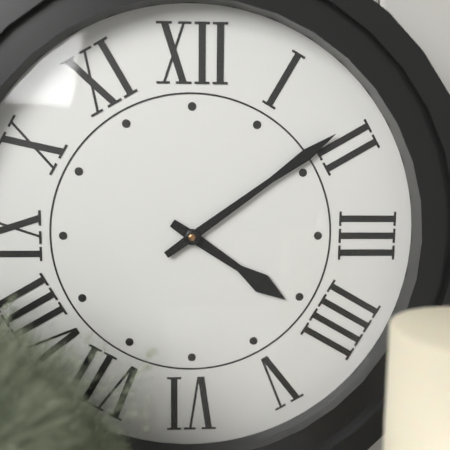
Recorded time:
4h09
